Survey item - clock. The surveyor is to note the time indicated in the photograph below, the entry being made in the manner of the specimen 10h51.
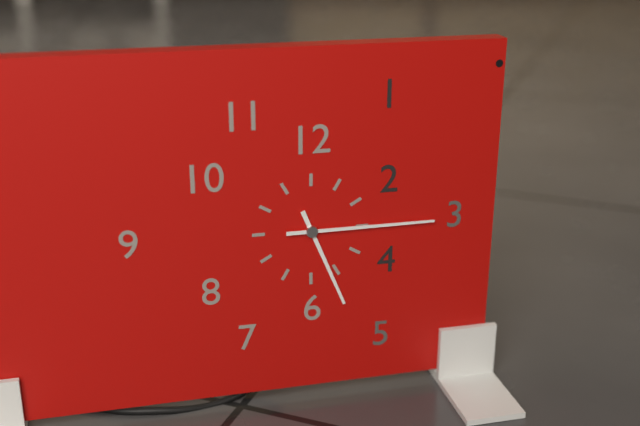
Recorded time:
5h15
